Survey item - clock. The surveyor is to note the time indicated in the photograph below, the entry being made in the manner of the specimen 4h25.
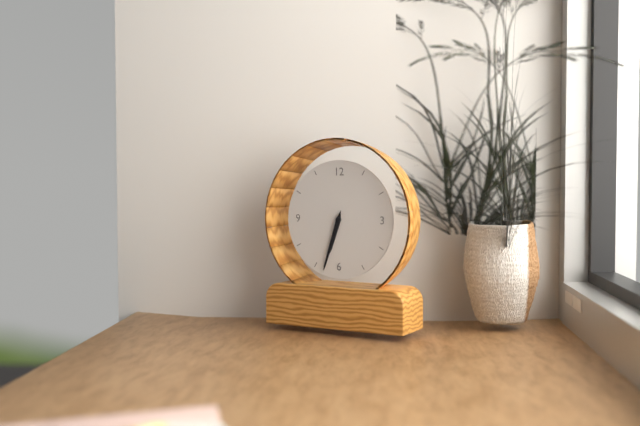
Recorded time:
6h33
